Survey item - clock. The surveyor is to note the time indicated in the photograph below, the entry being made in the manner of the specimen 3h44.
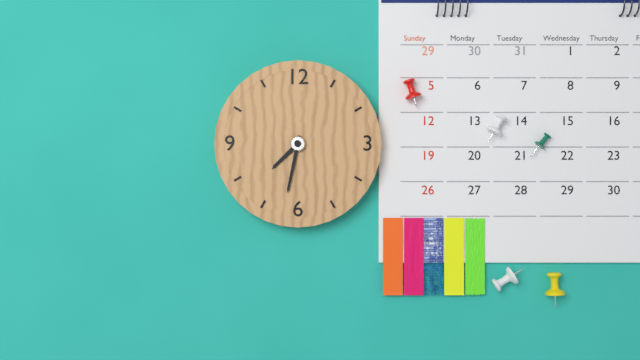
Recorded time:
7h32
